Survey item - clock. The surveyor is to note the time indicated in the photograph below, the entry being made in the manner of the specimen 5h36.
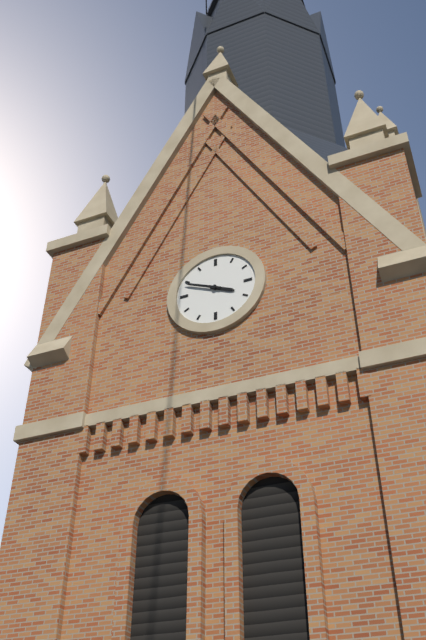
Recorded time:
3h49
